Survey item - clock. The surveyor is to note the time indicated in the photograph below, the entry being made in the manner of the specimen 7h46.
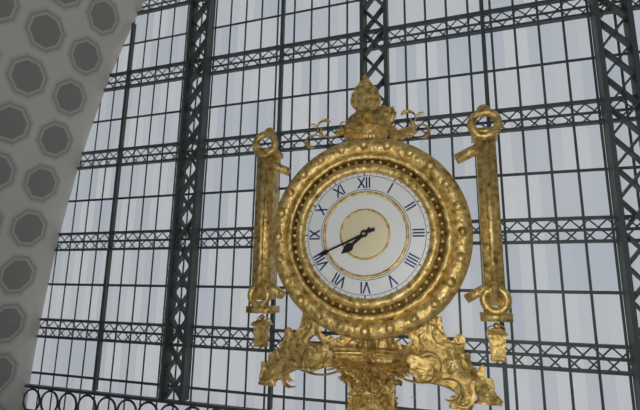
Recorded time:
7h41
